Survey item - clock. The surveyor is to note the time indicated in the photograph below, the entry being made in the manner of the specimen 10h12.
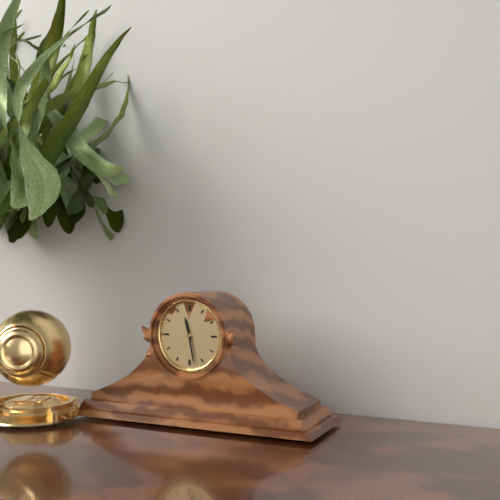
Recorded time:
11h28
